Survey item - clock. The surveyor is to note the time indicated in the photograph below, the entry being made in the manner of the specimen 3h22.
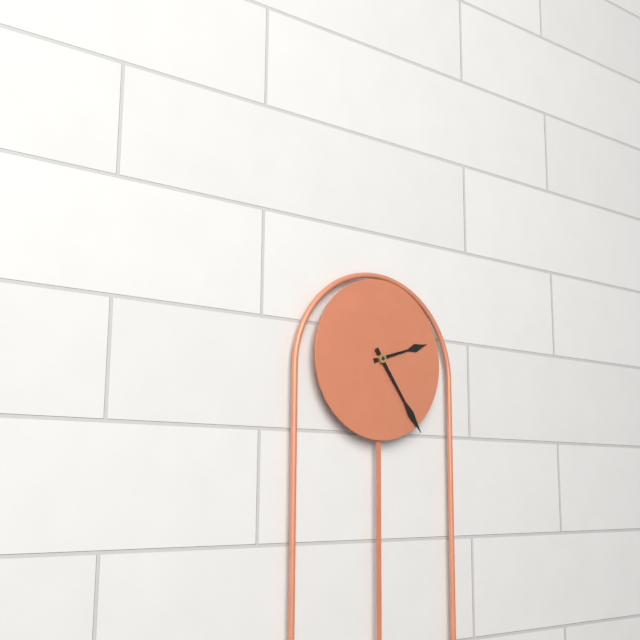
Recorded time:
2h24
